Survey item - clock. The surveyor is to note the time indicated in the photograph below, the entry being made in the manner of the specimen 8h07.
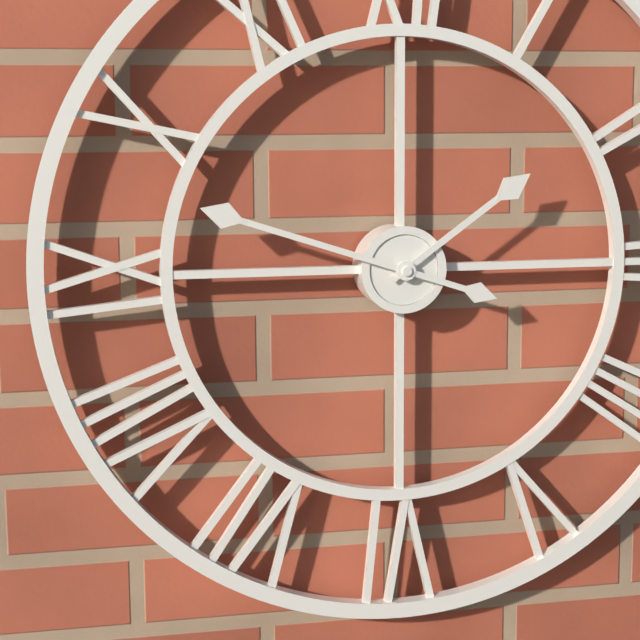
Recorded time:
1h48
